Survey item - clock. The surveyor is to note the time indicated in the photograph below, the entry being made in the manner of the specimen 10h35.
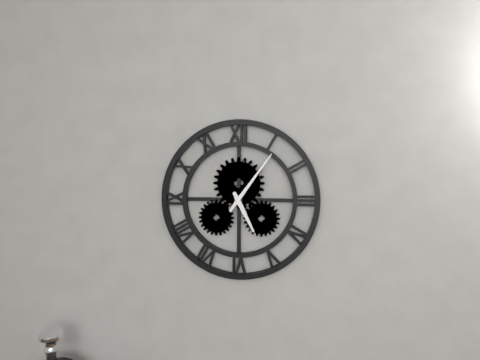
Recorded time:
5h06
